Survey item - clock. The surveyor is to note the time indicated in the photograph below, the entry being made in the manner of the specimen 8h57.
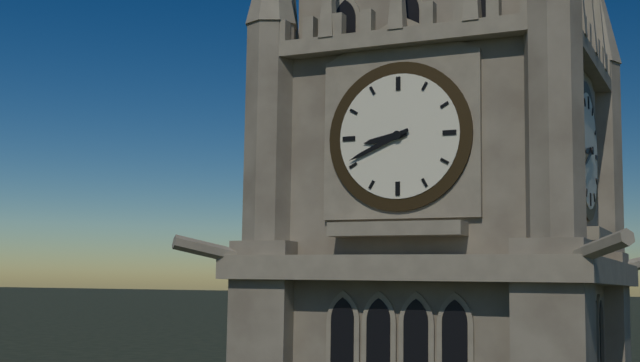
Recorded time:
8h41
